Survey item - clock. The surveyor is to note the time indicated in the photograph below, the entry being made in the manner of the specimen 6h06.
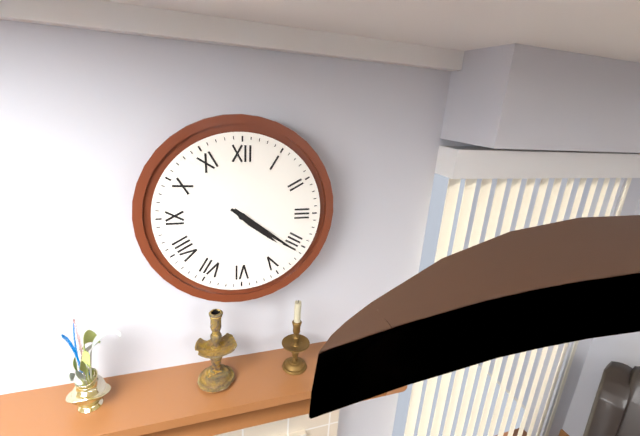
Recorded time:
4h21
